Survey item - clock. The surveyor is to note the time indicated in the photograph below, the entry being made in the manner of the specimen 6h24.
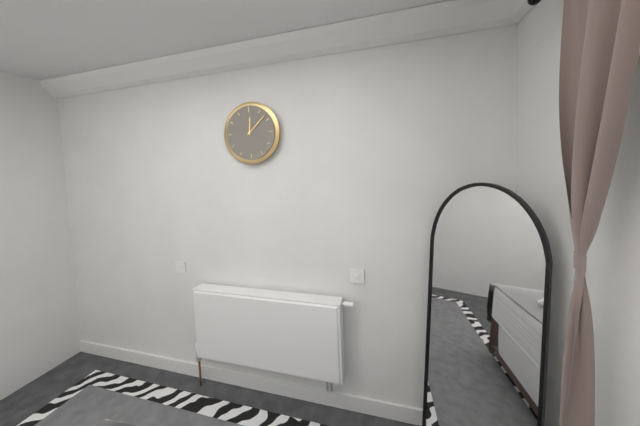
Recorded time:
12h08
